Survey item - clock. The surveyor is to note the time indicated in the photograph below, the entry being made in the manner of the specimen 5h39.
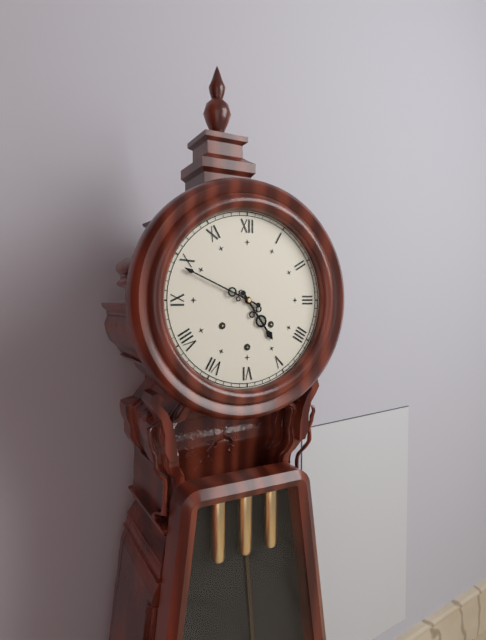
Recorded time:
4h49
